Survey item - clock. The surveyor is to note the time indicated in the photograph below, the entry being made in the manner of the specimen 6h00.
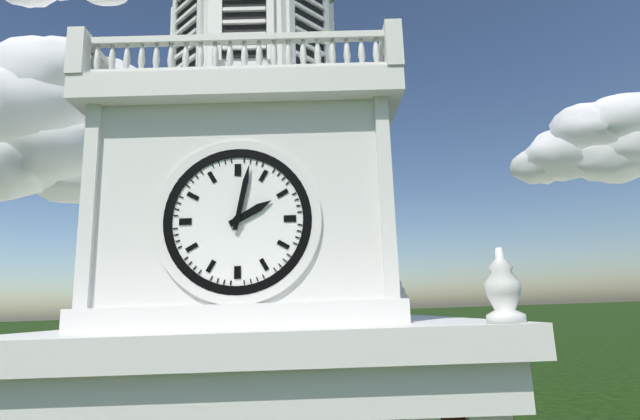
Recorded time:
2h02
